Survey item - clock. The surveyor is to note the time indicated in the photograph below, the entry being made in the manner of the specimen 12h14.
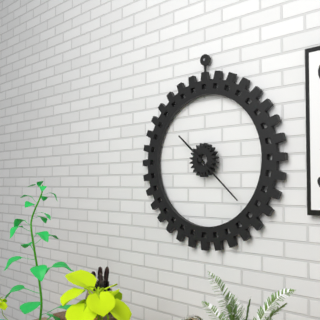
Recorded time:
10h22
